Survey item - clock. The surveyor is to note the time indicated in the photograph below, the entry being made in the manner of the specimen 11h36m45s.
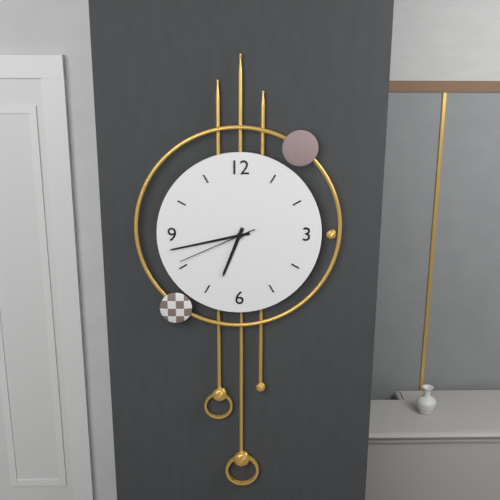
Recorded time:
6h43m41s
